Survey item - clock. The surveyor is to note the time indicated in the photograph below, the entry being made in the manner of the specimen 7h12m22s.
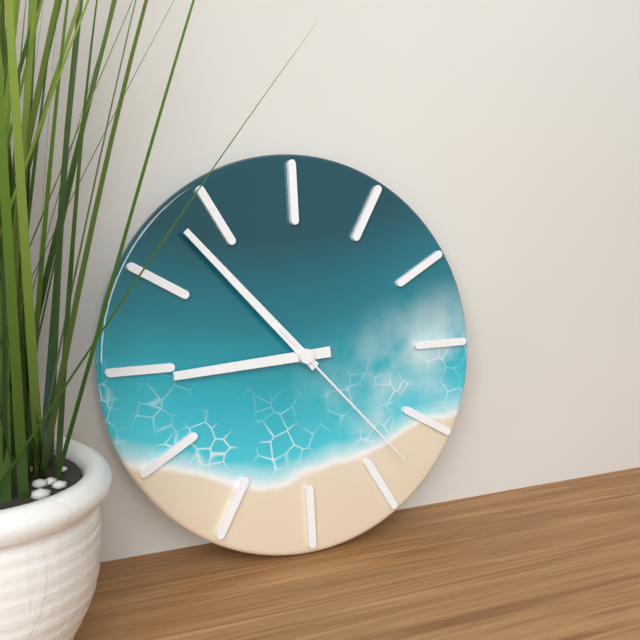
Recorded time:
8h53m23s
